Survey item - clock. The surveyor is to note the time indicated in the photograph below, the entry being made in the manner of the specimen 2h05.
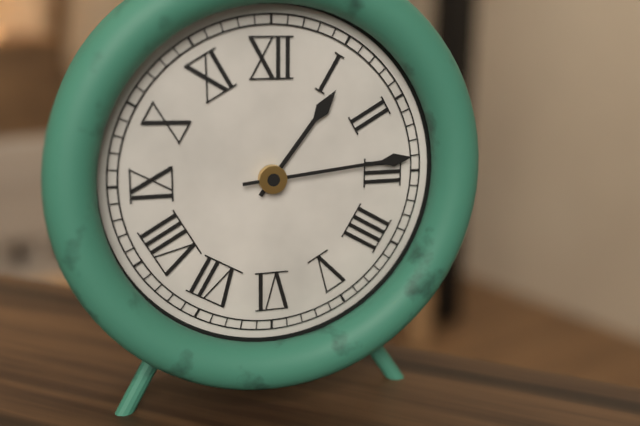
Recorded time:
1h14
